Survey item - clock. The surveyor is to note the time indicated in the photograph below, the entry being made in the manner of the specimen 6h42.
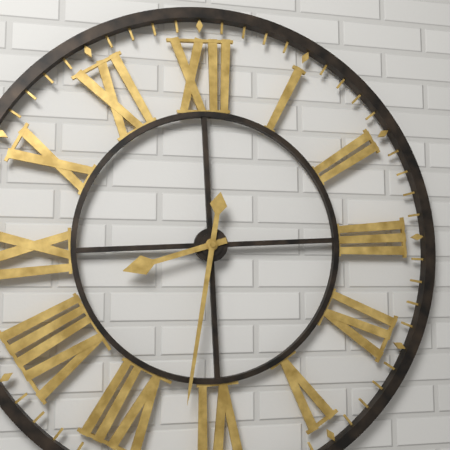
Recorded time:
8h32
